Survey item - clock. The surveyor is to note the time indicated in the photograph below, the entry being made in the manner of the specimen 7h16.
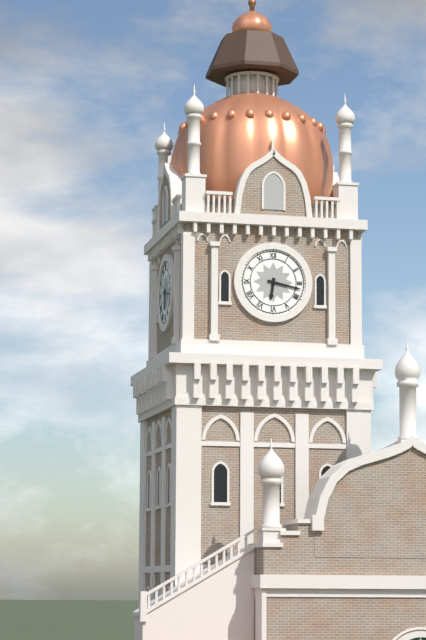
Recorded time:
6h17
